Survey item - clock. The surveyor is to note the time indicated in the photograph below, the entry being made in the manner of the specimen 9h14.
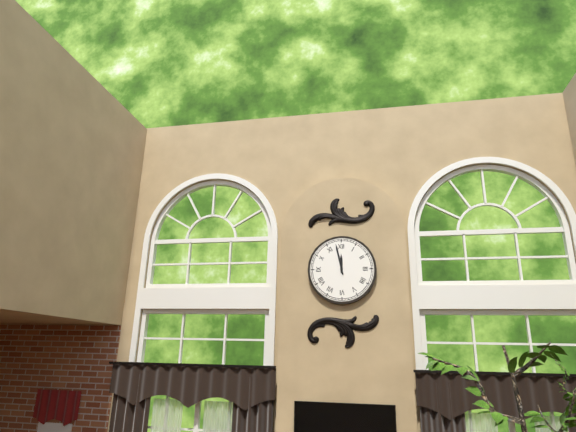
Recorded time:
11h58
